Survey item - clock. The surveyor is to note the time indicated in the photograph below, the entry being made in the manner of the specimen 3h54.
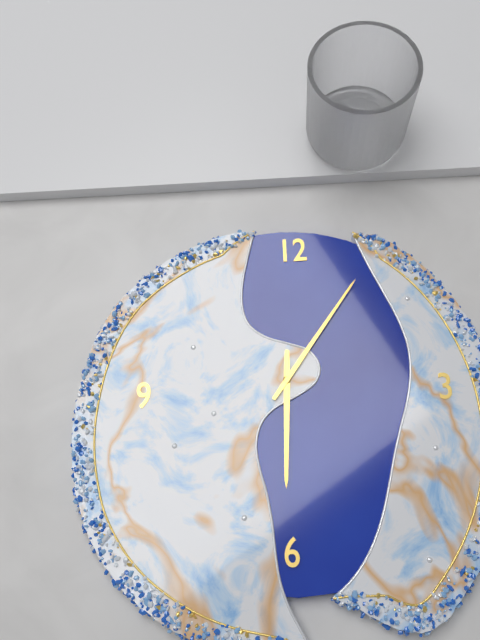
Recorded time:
6h06
